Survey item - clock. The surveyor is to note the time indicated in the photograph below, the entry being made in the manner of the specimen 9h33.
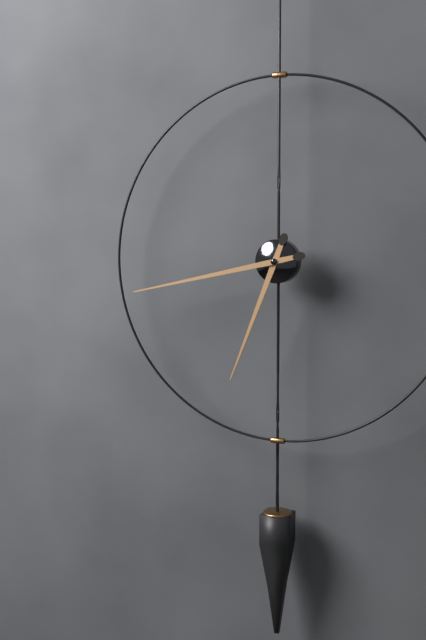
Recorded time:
6h43
